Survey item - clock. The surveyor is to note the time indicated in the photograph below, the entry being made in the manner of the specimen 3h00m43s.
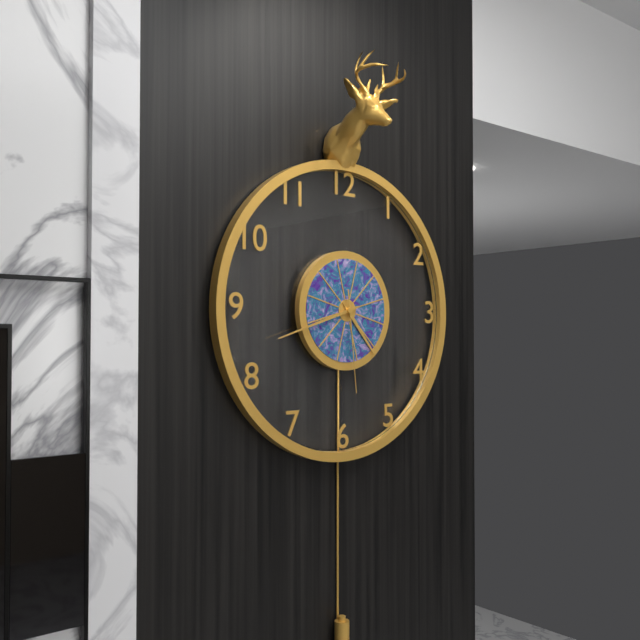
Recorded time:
4h42m29s
